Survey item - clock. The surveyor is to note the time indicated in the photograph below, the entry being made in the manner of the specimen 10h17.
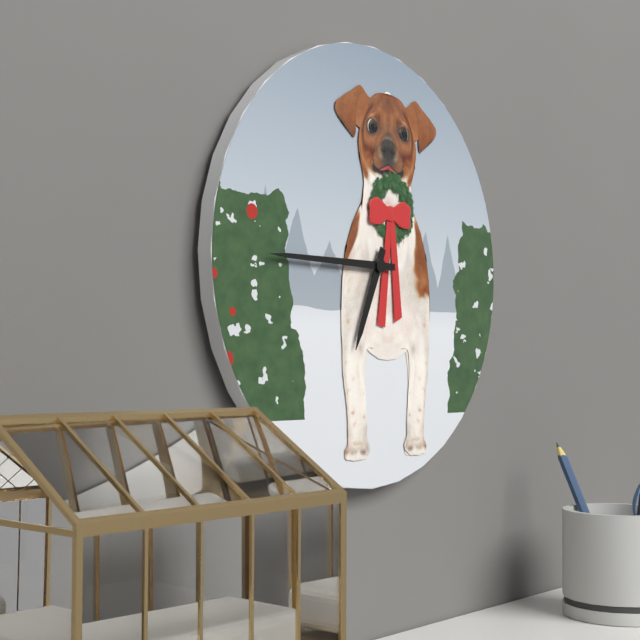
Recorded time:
6h45
